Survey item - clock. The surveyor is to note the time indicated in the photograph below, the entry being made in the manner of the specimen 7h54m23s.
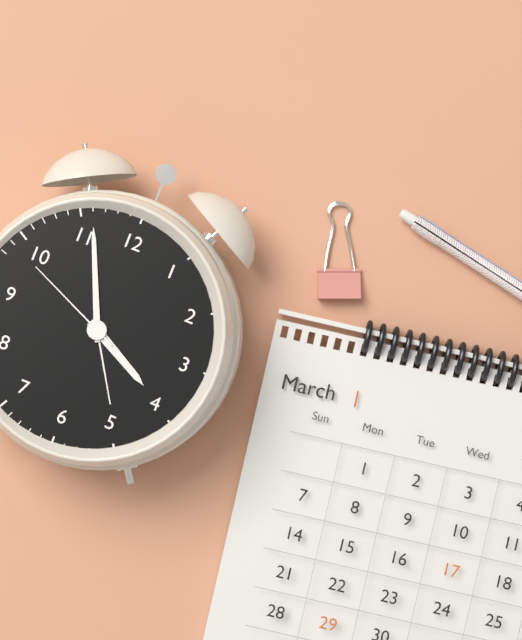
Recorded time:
3h56m49s
